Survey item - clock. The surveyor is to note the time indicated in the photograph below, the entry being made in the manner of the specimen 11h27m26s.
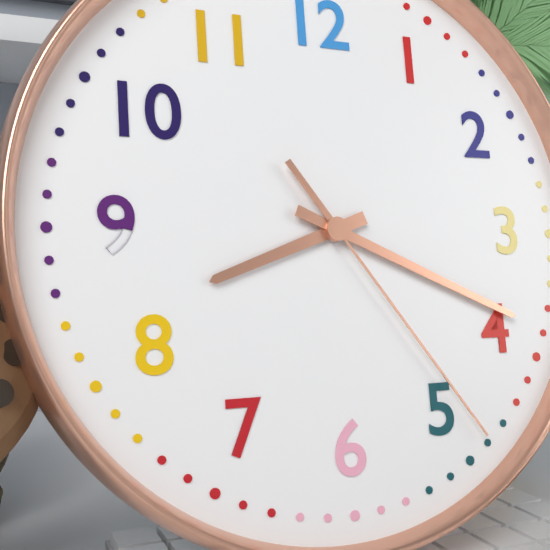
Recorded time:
8h19m24s
